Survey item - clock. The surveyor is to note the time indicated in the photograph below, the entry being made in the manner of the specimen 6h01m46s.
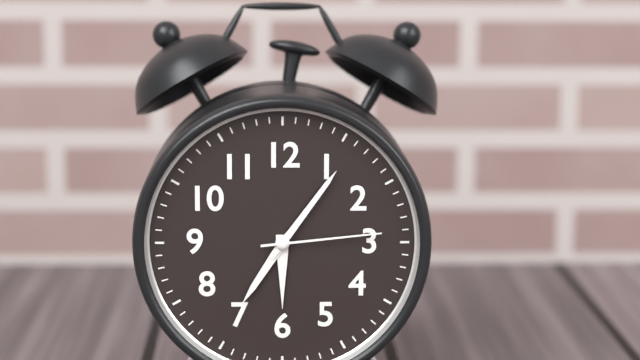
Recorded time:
7h06m14s
